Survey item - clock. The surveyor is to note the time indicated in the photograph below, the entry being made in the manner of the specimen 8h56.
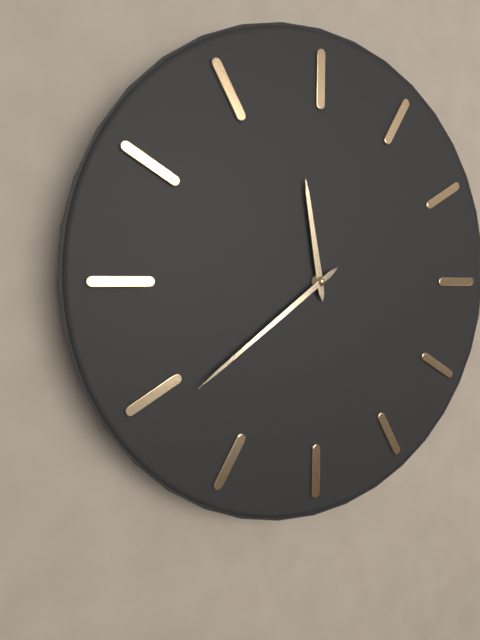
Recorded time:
11h39
